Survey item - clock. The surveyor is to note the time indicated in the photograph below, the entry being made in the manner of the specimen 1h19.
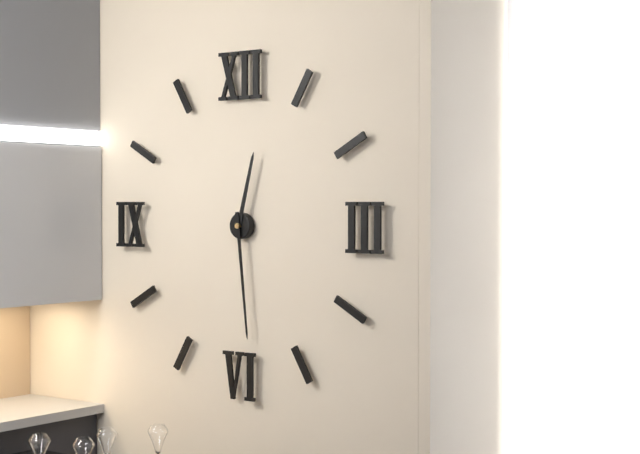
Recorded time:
12h29
